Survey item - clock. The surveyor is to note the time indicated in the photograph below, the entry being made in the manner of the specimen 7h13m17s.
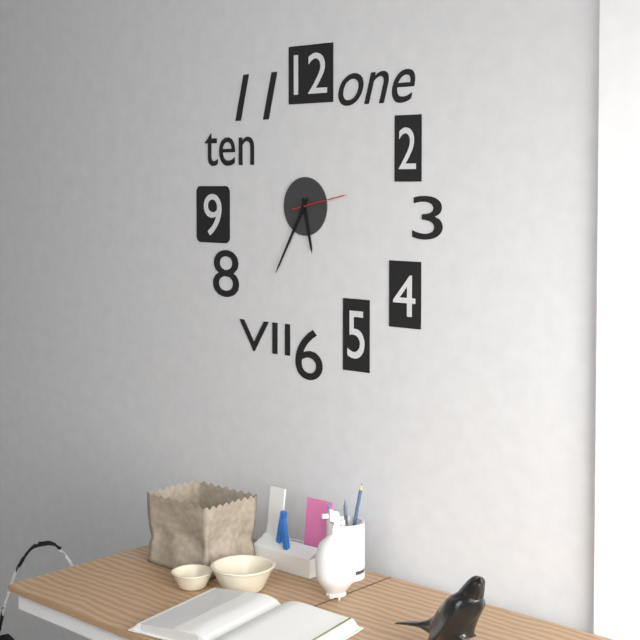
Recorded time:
5h35m13s
